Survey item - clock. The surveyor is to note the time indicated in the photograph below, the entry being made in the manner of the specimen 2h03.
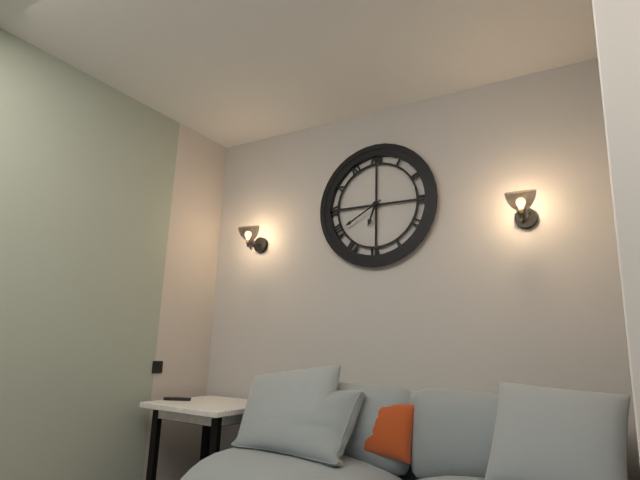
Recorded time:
6h40
